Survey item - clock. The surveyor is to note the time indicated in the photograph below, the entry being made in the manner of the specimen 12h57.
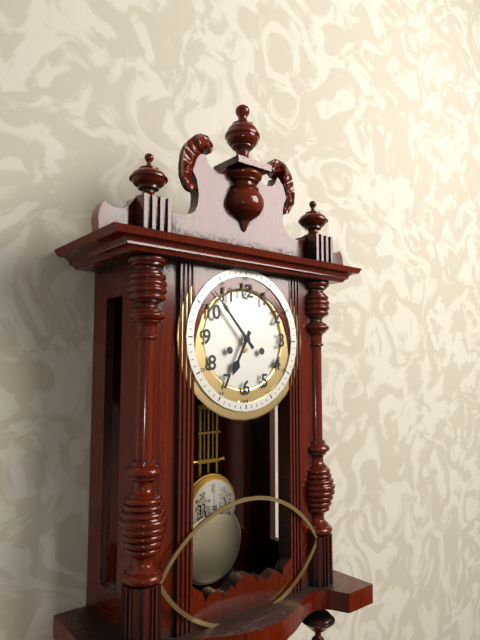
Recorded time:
6h53
